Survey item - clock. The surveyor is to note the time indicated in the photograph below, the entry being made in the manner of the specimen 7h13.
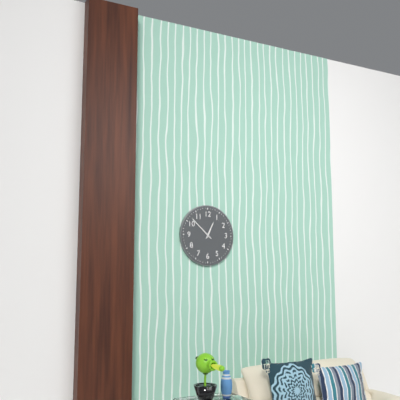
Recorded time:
12h52
